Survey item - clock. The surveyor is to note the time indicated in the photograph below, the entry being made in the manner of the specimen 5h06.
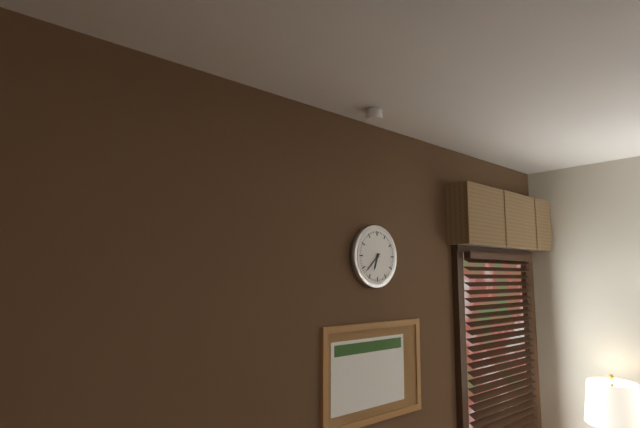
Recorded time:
6h38
